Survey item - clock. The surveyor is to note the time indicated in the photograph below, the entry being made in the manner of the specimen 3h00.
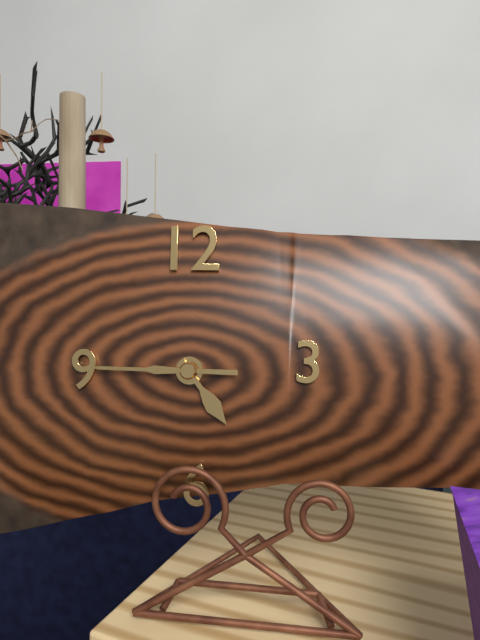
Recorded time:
4h45
